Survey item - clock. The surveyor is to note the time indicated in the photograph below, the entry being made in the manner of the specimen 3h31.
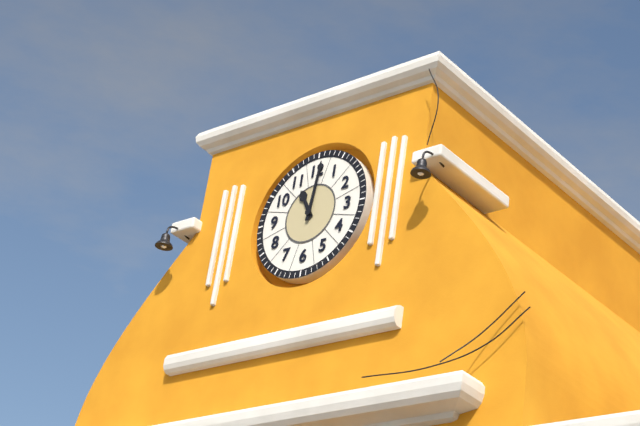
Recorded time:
11h01
